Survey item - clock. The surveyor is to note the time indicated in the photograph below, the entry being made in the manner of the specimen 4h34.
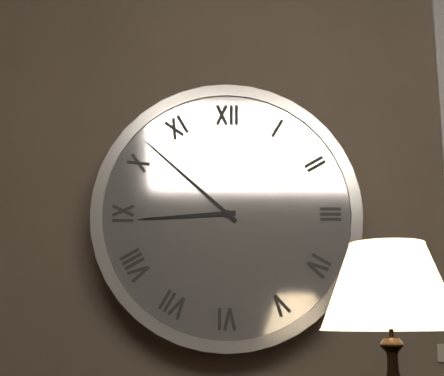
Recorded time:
8h52
